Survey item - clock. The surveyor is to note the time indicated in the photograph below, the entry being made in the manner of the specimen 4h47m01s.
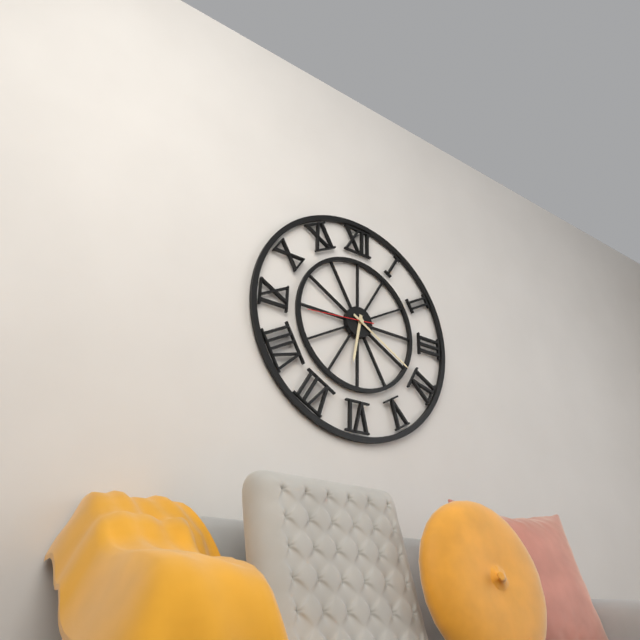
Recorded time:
6h20m44s
